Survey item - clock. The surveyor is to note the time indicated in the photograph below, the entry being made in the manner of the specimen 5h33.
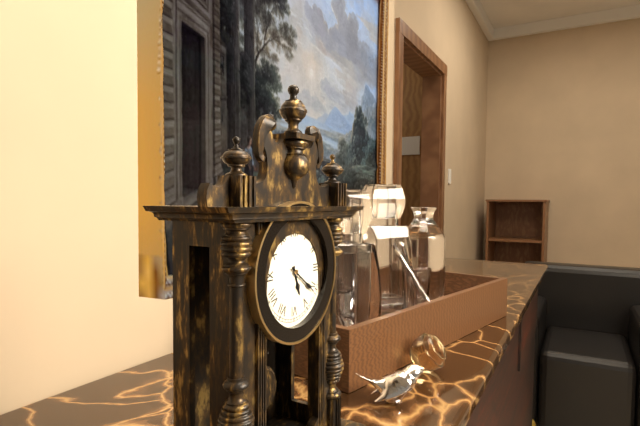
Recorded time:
5h21
